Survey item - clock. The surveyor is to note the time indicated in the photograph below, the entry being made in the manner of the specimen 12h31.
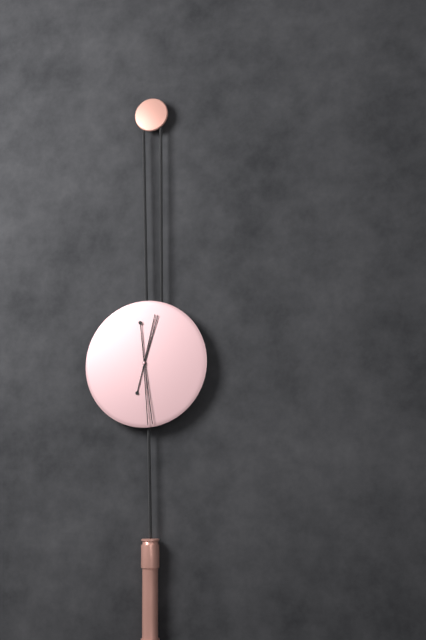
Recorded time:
12h29
